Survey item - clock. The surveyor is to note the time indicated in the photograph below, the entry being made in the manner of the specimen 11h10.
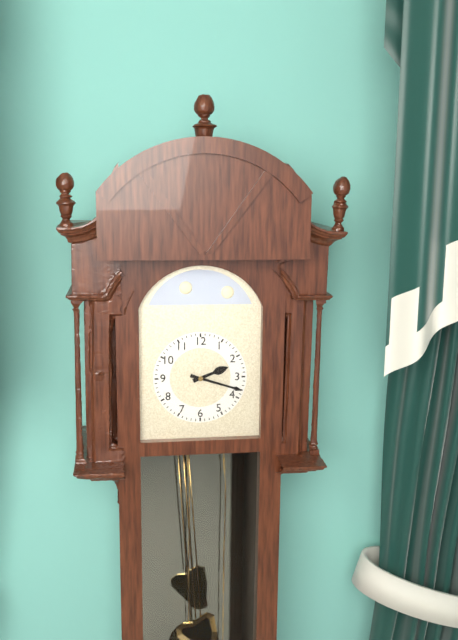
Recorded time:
2h18
